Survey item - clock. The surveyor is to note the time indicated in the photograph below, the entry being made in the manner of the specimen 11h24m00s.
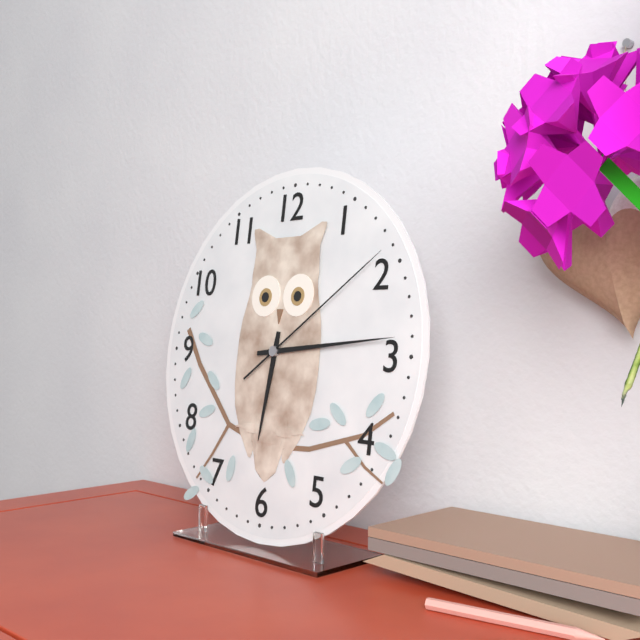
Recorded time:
6h14m09s
